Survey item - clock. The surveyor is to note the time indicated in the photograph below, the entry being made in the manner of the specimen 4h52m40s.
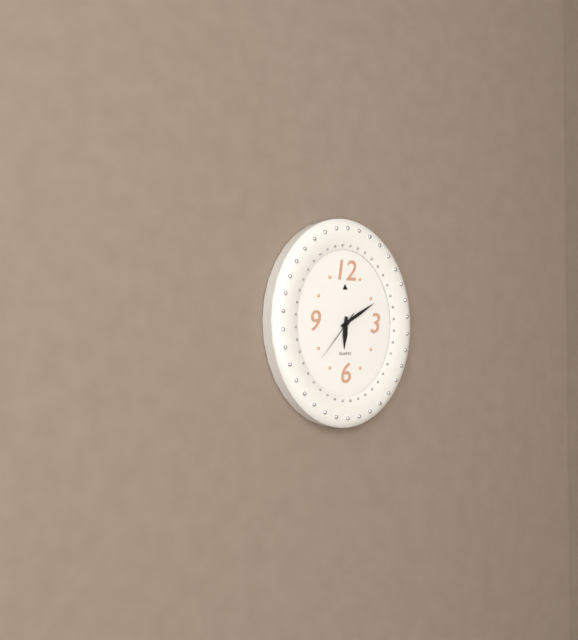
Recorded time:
6h10m37s
